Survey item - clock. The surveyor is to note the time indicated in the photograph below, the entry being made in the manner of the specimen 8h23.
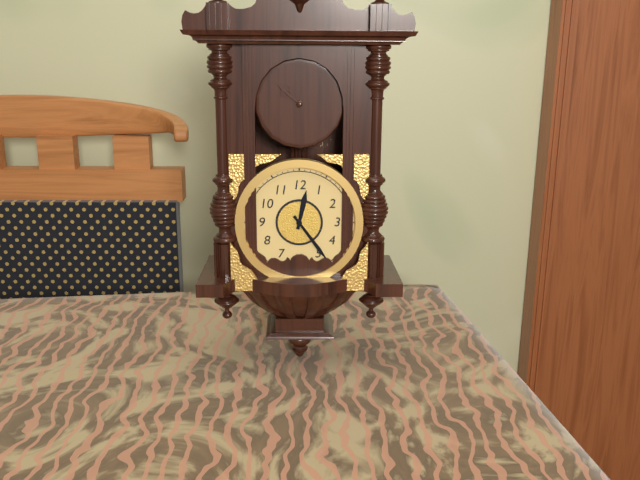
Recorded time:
12h24
